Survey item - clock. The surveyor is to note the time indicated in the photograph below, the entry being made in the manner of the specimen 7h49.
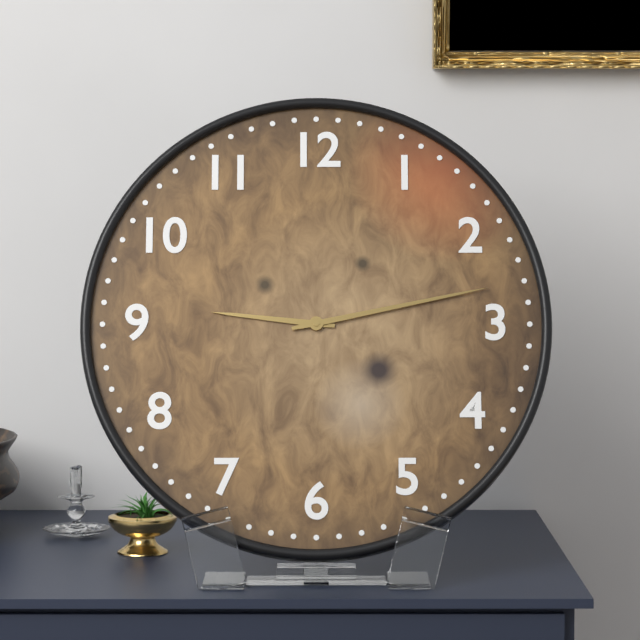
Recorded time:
9h13
